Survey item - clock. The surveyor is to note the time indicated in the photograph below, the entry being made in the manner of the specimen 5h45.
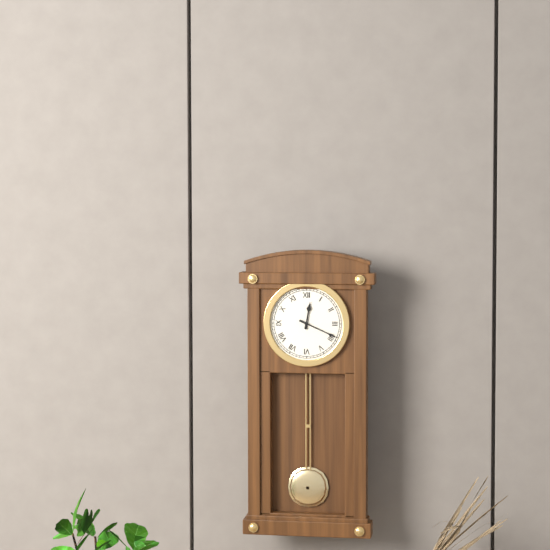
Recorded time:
12h19
